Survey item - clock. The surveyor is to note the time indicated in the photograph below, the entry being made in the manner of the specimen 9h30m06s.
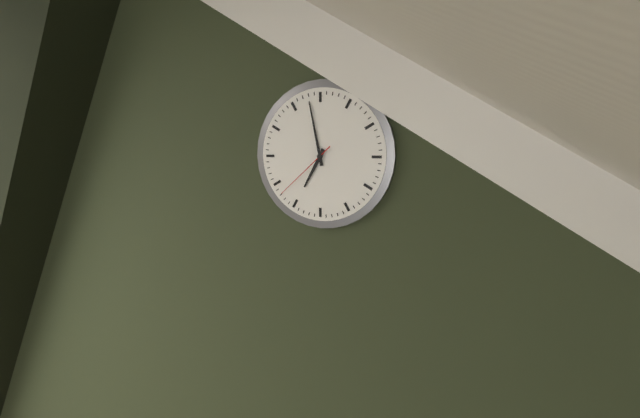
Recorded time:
6h58m38s
